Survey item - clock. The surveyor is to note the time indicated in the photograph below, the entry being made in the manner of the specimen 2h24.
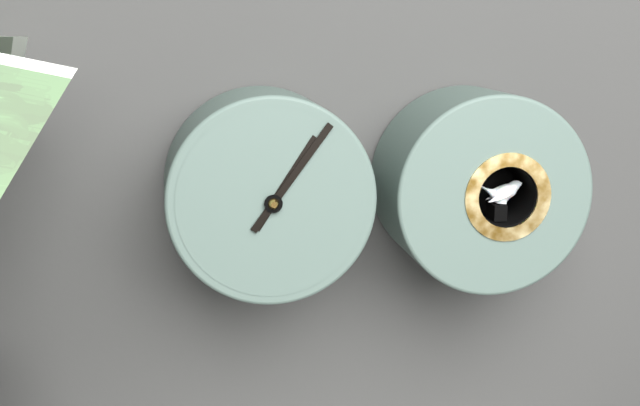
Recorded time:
1h06
